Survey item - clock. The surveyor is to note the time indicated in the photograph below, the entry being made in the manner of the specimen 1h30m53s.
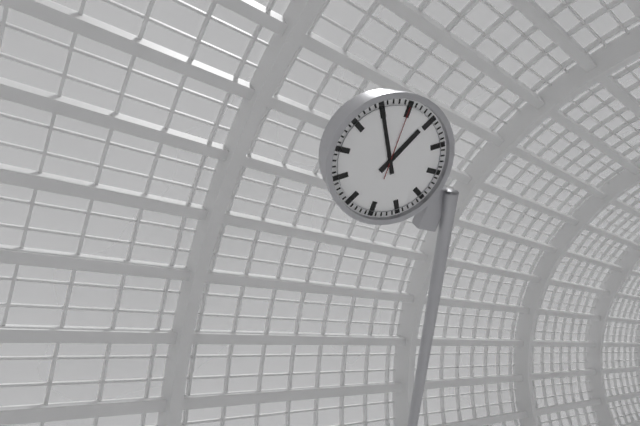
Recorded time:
12h55m00s
